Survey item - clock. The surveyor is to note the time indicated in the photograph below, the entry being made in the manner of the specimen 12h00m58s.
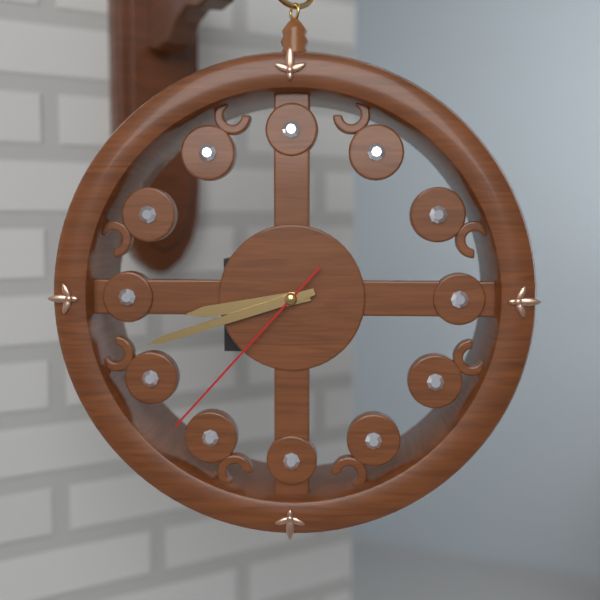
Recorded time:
8h42m37s
